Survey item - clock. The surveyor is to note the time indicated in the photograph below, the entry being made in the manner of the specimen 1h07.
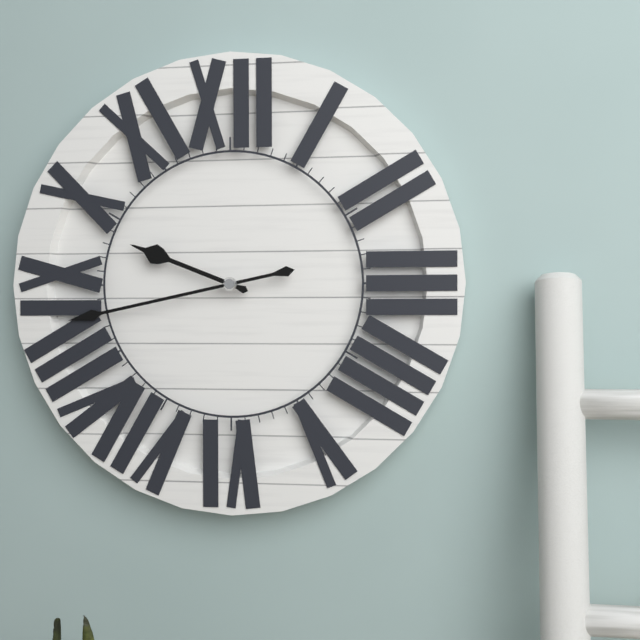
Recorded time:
9h43
